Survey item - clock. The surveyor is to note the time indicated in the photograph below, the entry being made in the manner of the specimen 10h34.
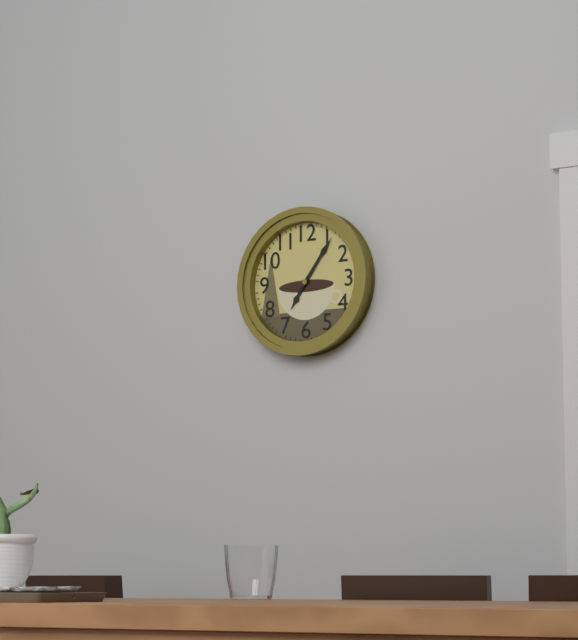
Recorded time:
7h06
